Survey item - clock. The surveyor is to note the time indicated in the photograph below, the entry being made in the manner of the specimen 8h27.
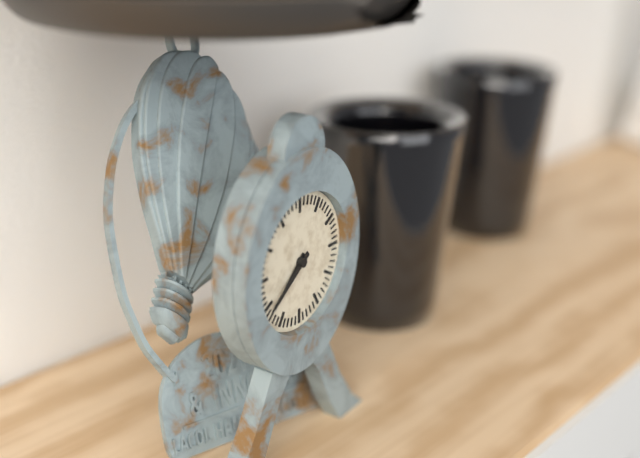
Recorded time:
7h39
